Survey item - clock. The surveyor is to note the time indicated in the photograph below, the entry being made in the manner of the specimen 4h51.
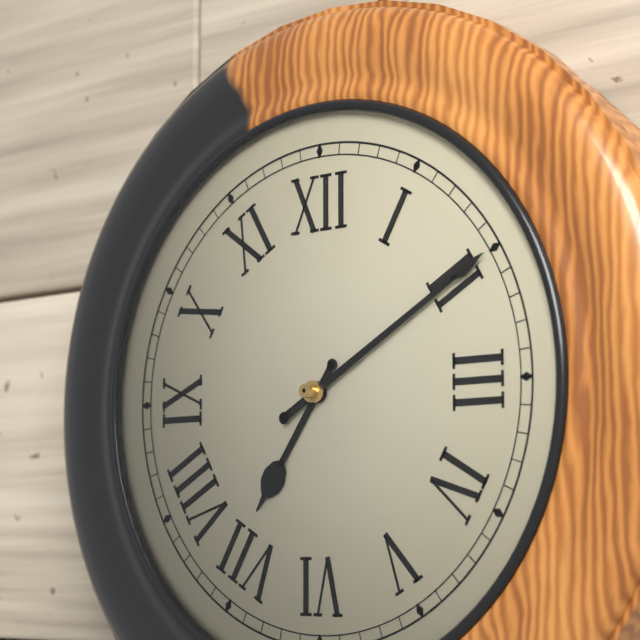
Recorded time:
7h10
